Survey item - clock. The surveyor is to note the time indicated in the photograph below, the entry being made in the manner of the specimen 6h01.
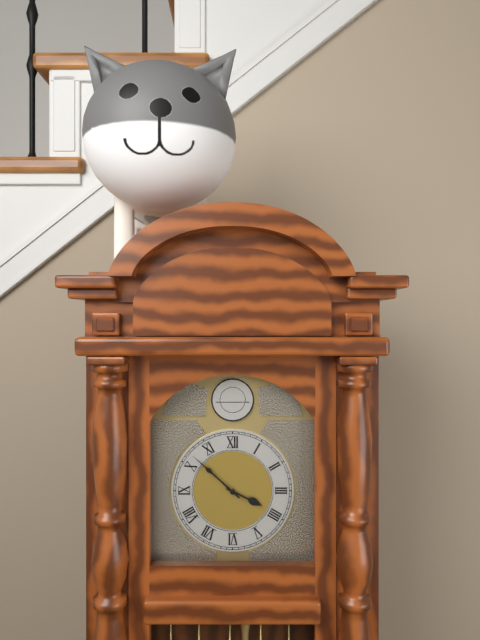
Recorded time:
3h52
